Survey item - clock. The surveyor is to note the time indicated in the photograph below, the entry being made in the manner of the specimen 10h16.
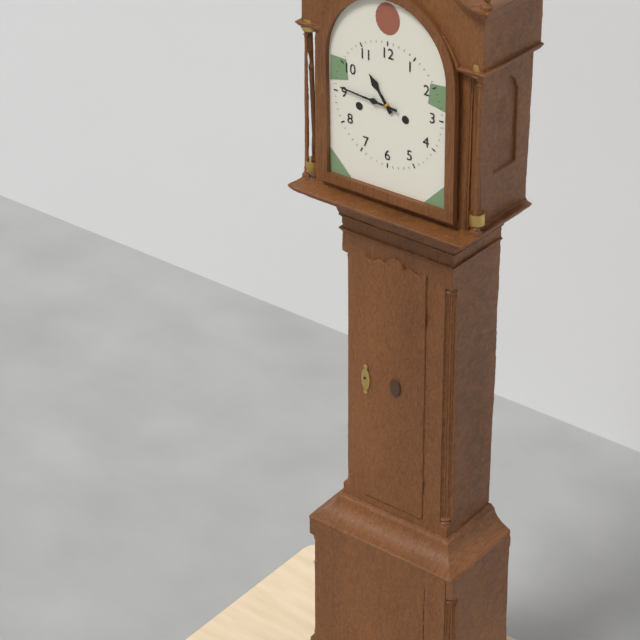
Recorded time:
10h46
